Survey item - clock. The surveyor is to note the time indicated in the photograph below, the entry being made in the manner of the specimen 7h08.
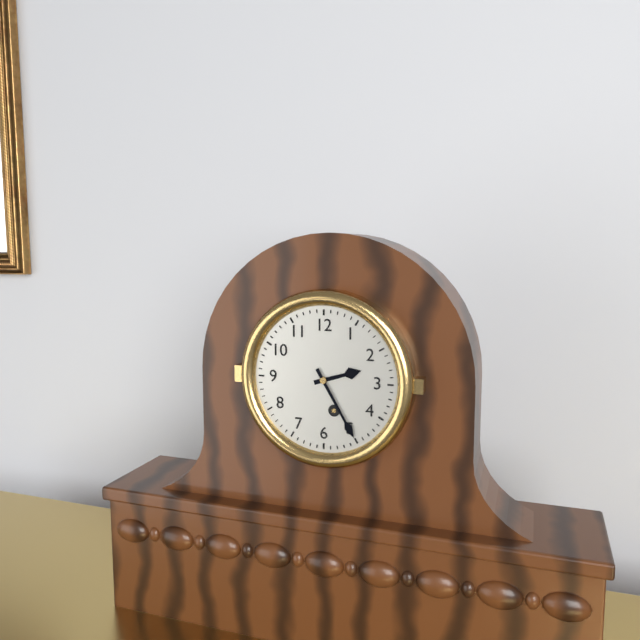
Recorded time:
2h25
